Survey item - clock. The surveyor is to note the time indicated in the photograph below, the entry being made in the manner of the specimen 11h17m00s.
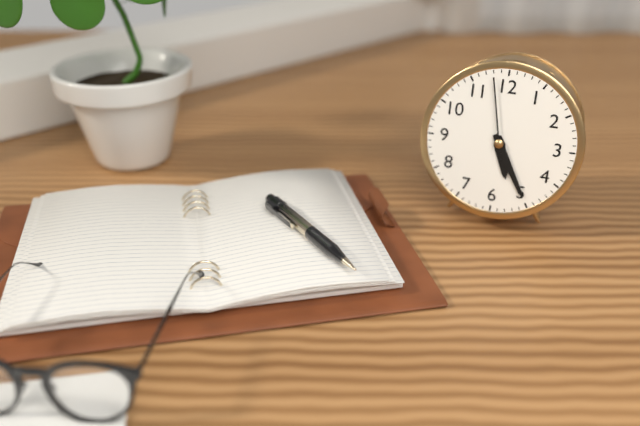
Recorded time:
5h25m58s
